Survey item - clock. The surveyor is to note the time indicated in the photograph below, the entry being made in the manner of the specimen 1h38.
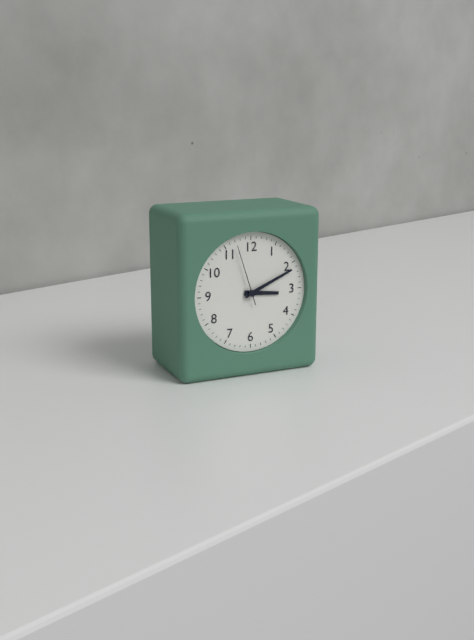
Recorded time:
3h11
